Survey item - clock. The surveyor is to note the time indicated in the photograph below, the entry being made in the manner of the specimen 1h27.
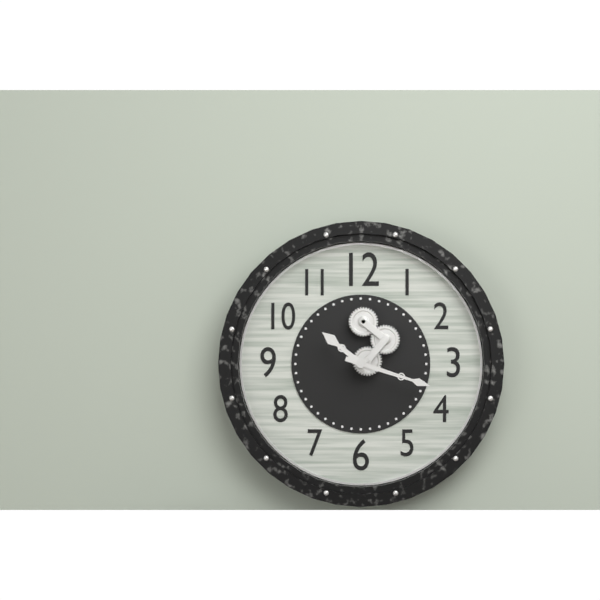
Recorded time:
10h18
